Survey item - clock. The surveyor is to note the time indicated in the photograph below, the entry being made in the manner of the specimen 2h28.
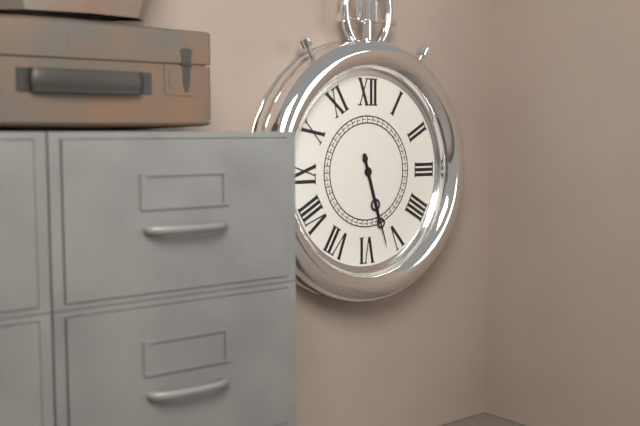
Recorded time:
5h27
